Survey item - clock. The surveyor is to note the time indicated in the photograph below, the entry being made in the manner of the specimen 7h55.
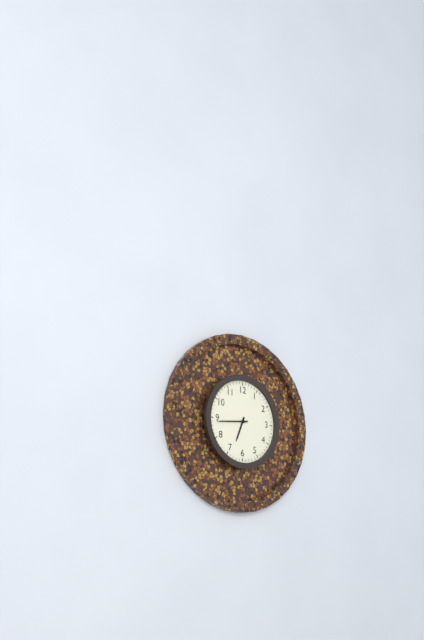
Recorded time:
6h44
